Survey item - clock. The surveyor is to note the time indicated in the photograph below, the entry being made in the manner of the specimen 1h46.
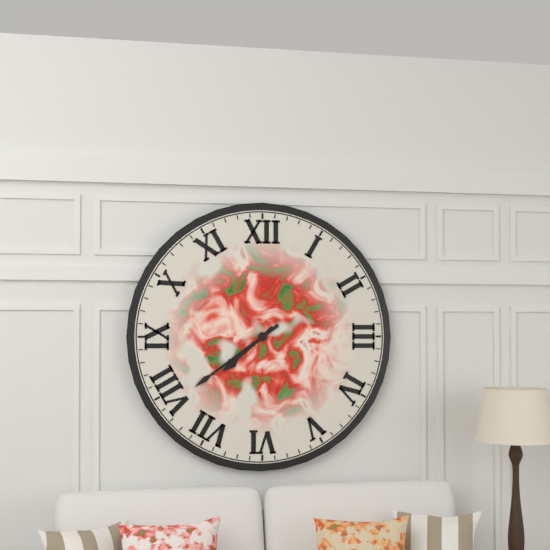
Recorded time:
7h39
